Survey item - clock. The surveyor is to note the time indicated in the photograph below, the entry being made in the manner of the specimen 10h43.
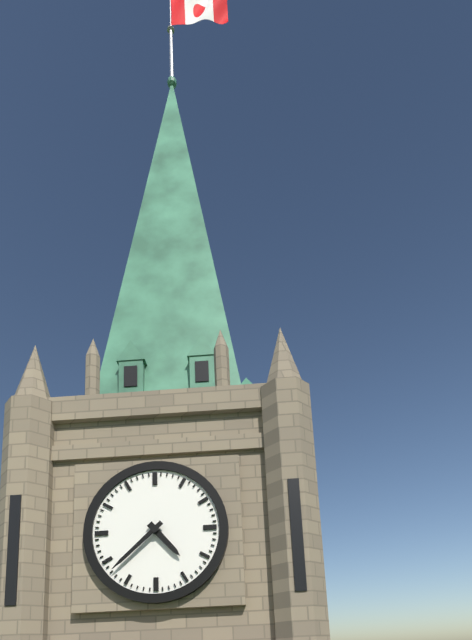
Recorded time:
4h38
